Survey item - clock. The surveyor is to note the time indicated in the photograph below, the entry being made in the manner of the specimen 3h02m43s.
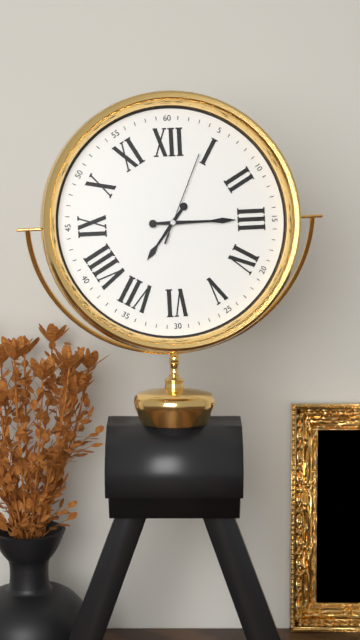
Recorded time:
7h15m04s
